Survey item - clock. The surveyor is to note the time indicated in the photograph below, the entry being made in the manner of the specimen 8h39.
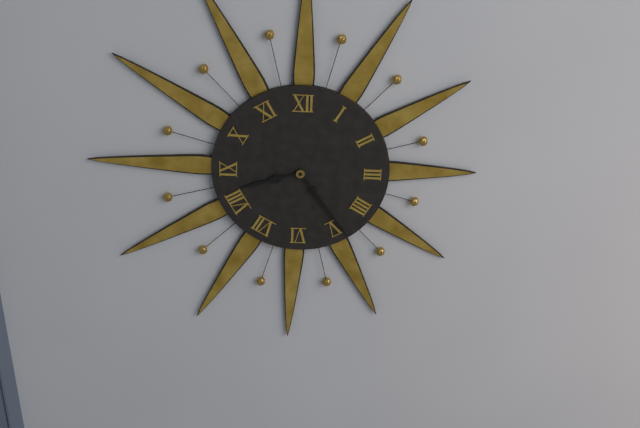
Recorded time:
8h24
